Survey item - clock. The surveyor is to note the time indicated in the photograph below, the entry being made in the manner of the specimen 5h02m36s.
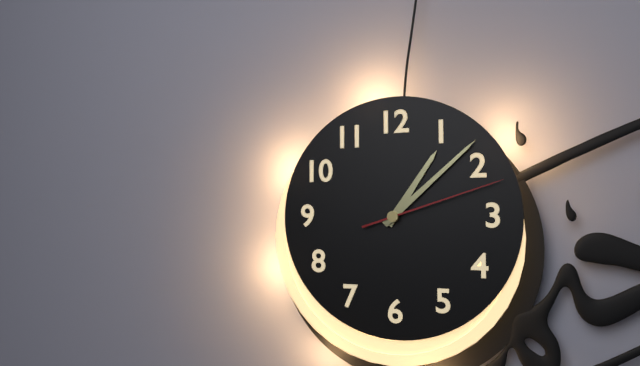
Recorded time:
1h08m12s
